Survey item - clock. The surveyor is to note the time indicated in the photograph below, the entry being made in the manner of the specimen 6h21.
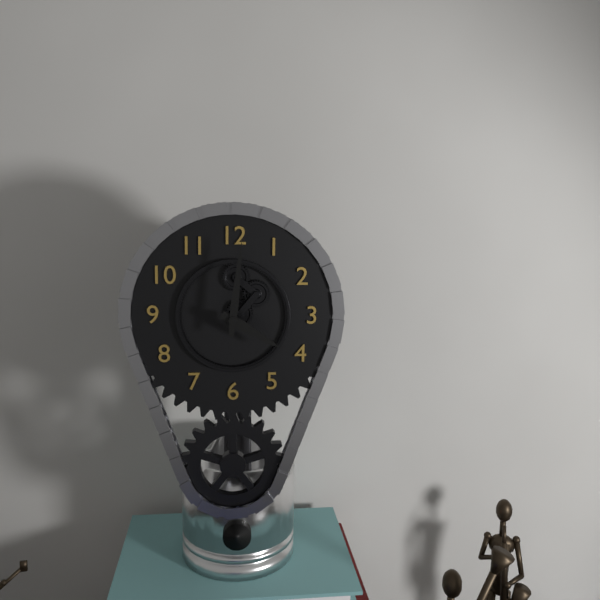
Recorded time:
4h01
